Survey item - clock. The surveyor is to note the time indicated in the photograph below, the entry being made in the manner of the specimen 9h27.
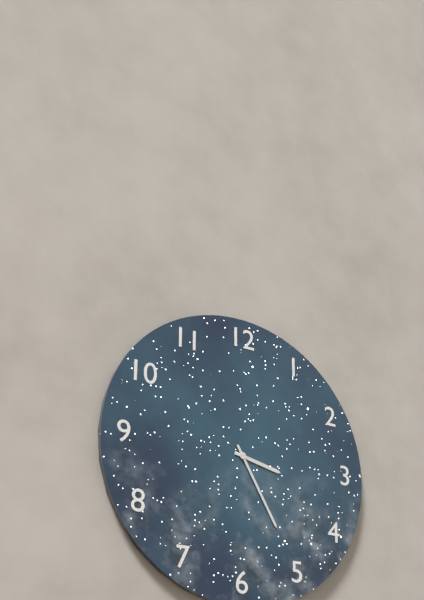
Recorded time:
3h25
